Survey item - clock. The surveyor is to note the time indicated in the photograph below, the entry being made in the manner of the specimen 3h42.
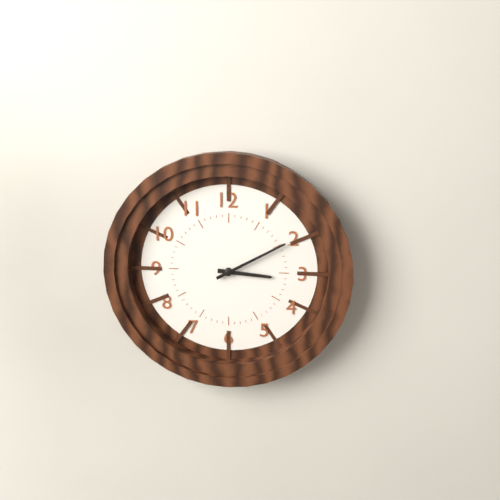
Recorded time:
3h10
